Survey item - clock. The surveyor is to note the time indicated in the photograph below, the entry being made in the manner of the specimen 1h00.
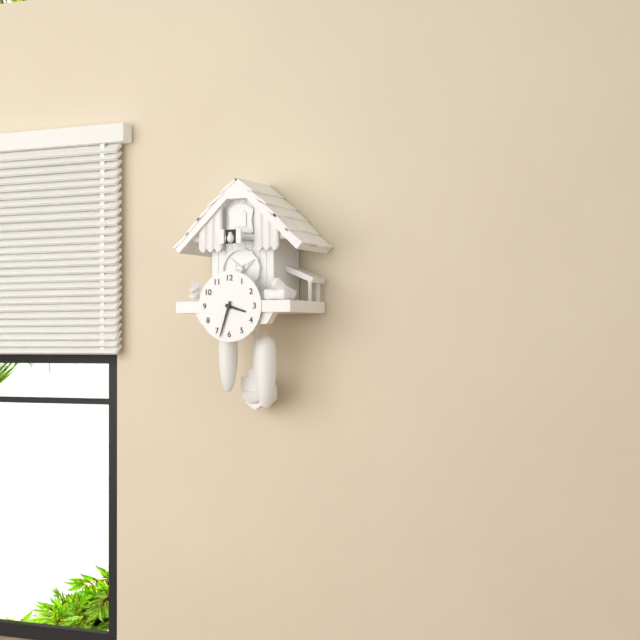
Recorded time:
3h33
